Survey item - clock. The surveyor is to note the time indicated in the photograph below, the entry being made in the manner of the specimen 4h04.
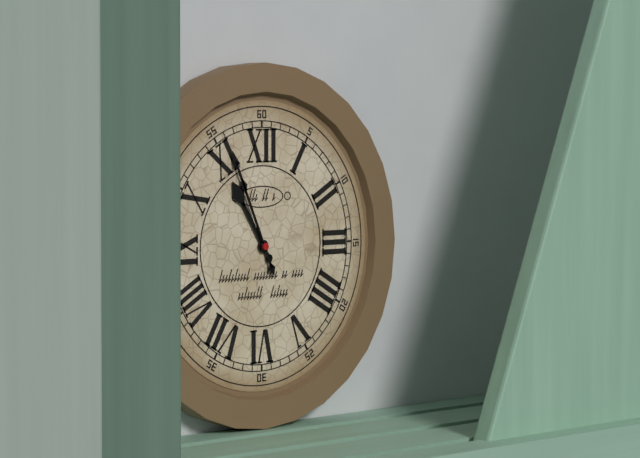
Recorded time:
10h56
